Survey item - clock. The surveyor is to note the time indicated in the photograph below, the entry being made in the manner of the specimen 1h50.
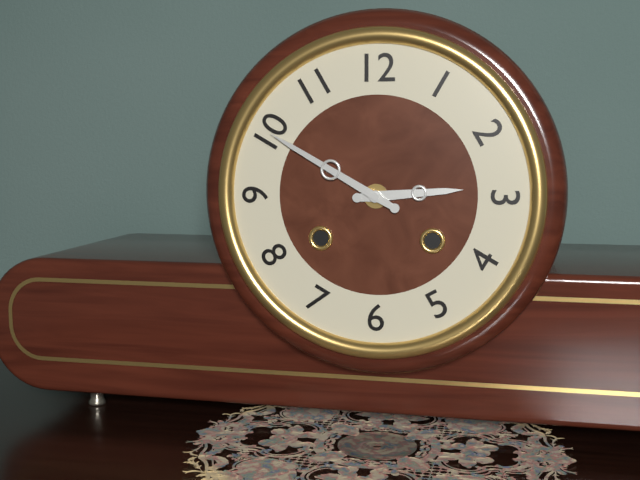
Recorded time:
2h50
